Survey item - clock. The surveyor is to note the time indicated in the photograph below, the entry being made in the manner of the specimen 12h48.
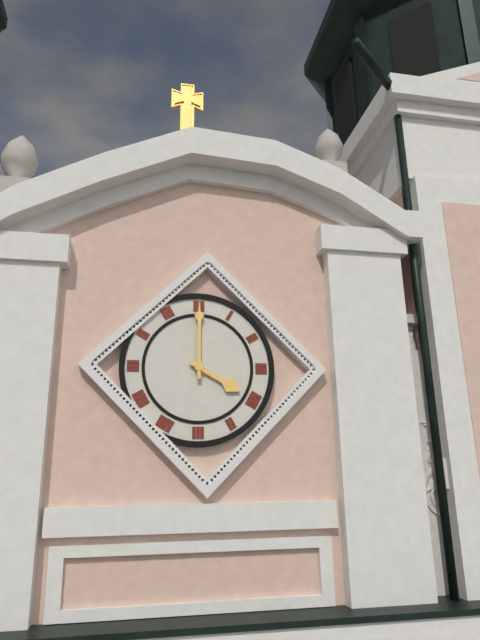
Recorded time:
4h00
